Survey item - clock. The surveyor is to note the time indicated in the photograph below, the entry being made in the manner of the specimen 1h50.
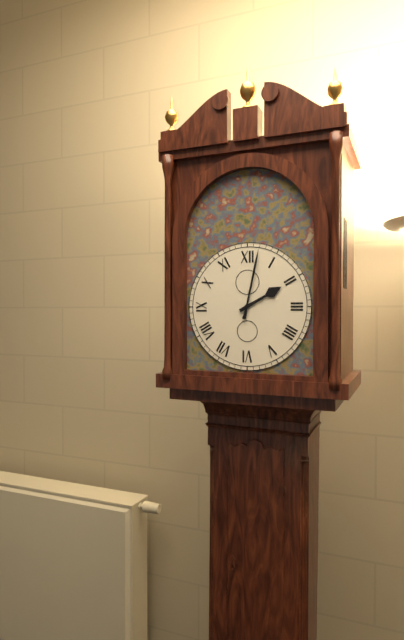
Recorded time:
2h02
